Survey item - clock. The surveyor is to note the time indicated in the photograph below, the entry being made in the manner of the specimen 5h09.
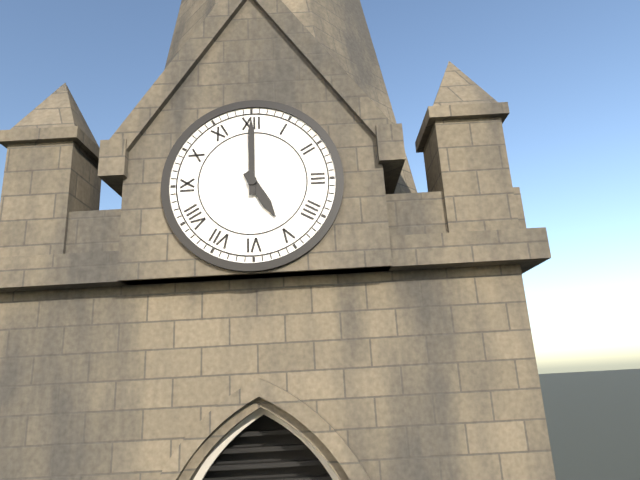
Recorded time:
5h00
